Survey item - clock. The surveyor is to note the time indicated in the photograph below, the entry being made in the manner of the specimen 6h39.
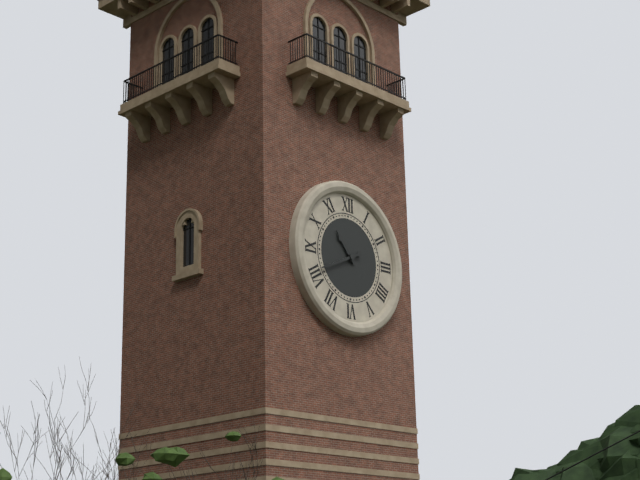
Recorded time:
10h41
